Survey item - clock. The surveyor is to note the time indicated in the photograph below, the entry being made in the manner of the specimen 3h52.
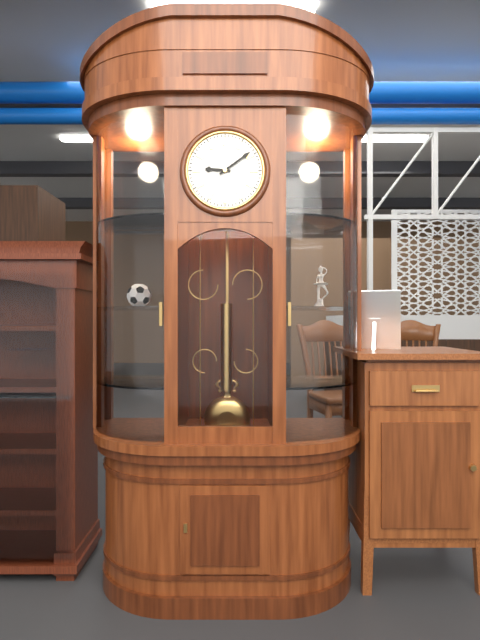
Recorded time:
9h09
